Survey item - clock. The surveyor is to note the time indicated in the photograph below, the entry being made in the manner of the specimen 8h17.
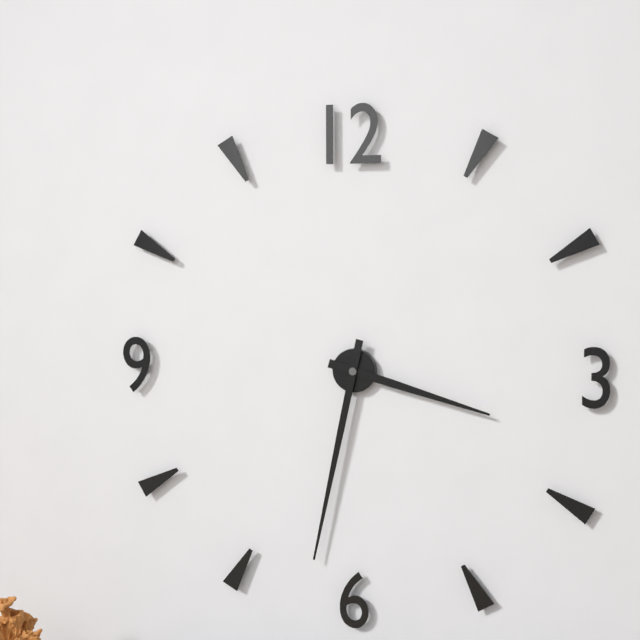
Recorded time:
3h32
